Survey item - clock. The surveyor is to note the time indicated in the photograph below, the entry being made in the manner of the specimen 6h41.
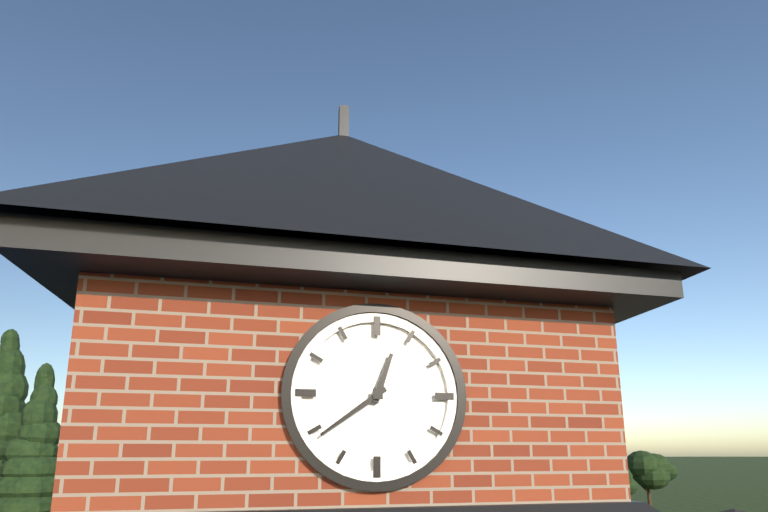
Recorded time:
12h39
